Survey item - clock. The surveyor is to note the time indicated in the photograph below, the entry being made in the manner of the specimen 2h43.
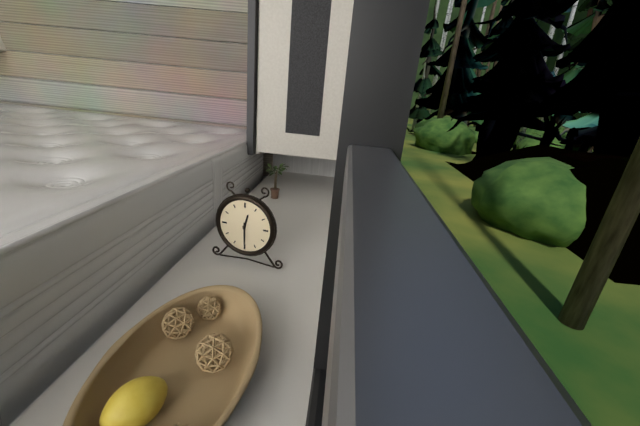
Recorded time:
12h30
